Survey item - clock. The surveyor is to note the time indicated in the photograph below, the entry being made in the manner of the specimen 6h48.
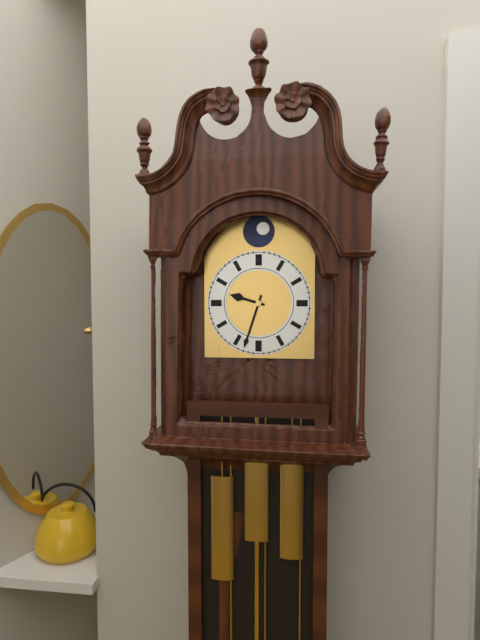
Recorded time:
9h33
